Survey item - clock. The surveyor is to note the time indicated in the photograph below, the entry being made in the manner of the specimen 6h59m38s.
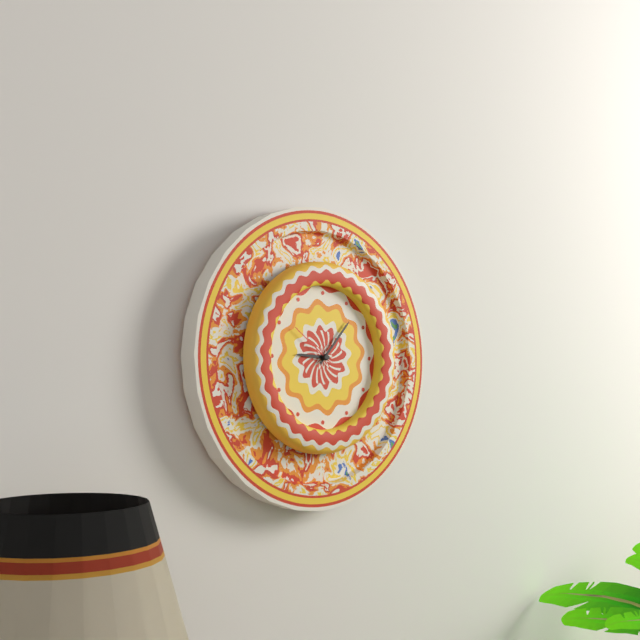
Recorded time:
9h07m51s
